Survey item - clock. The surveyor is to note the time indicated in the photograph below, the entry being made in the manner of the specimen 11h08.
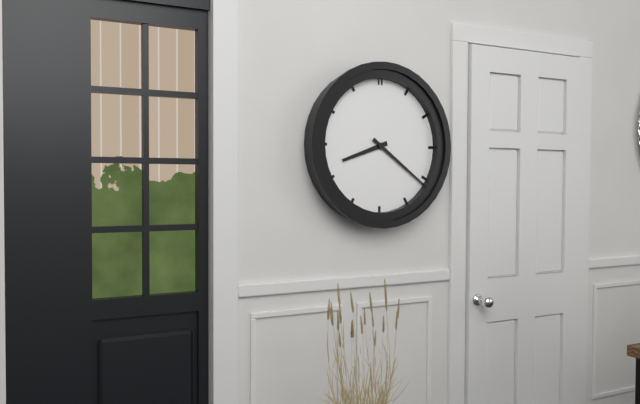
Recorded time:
8h21
